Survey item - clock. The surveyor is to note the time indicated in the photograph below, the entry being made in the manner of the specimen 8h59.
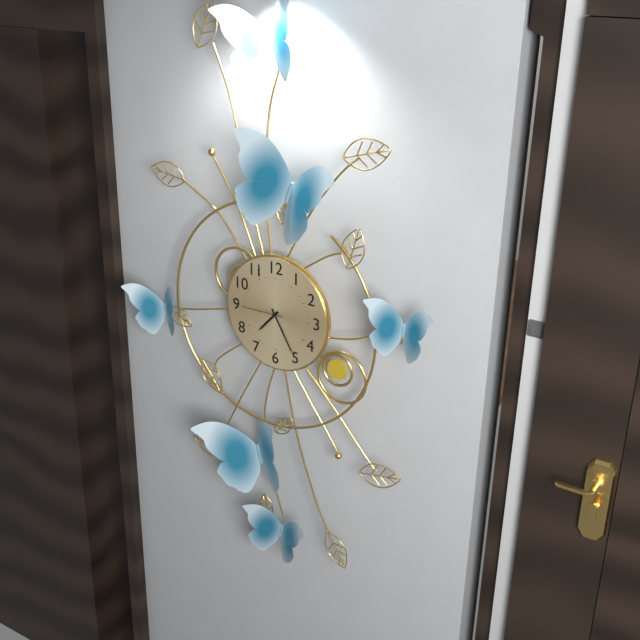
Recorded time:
7h25
